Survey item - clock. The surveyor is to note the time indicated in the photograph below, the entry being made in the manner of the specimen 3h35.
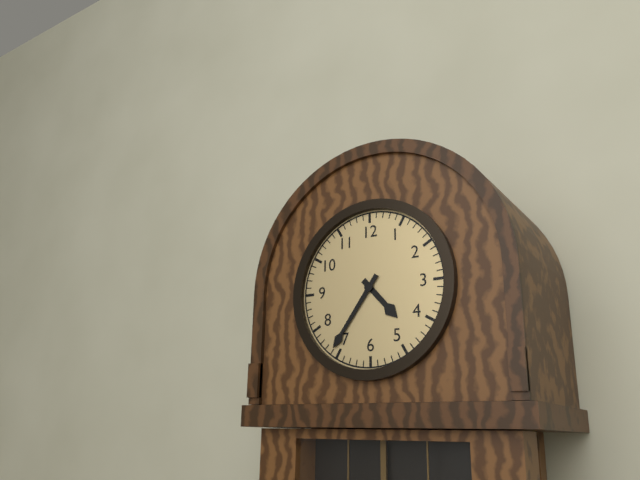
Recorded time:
4h36
